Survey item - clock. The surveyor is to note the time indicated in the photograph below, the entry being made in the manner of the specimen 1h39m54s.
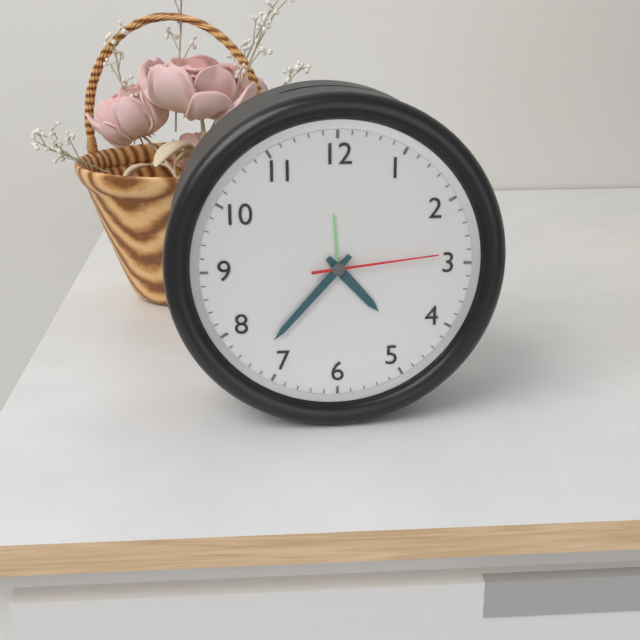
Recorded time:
4h37m14s
